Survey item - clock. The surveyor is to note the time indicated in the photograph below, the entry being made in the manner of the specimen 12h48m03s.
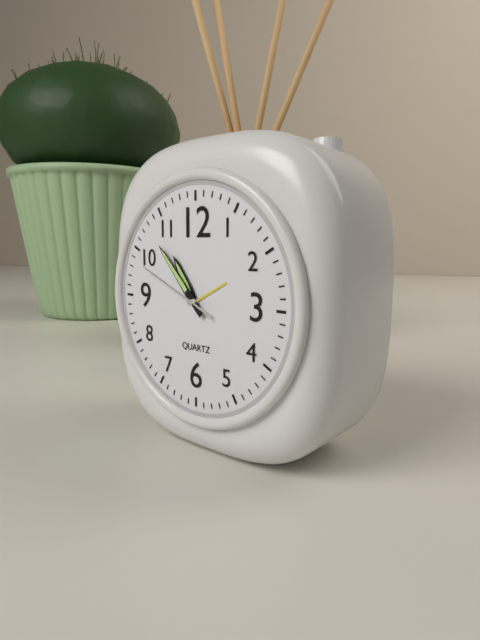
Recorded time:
10h53m49s
